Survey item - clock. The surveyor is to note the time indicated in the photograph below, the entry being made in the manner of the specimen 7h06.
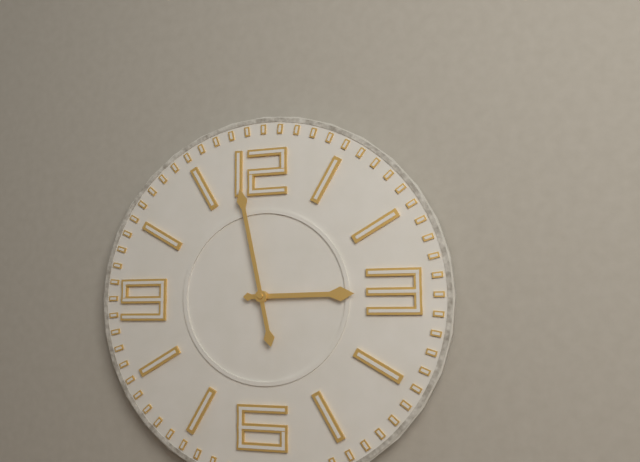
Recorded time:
2h58
